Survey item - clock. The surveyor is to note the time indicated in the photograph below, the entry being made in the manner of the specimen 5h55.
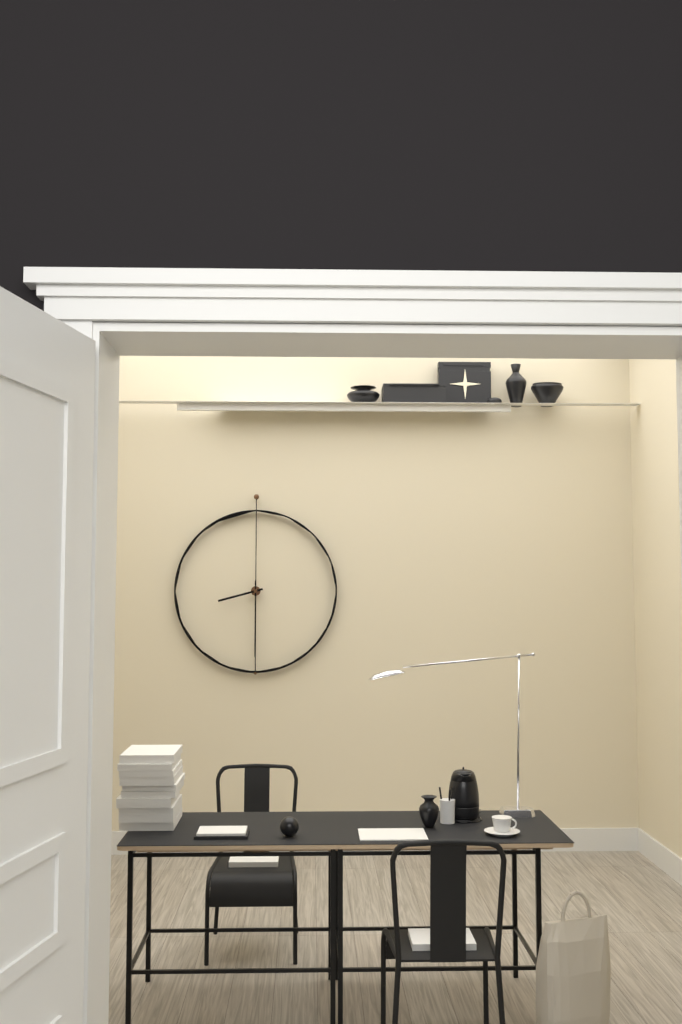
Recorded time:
8h30
